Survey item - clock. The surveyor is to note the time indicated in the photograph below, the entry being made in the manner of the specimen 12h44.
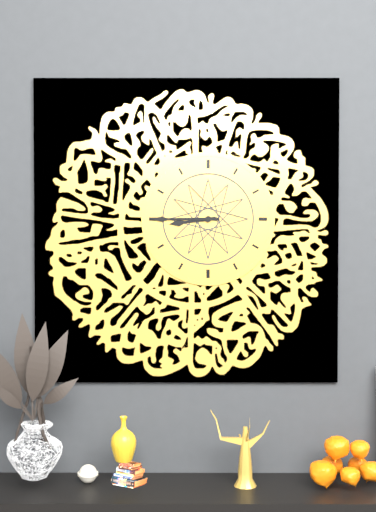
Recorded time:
8h45
